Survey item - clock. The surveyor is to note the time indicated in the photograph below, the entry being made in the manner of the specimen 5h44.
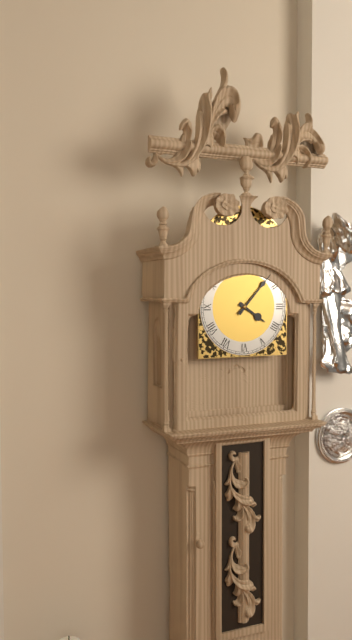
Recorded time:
4h07
